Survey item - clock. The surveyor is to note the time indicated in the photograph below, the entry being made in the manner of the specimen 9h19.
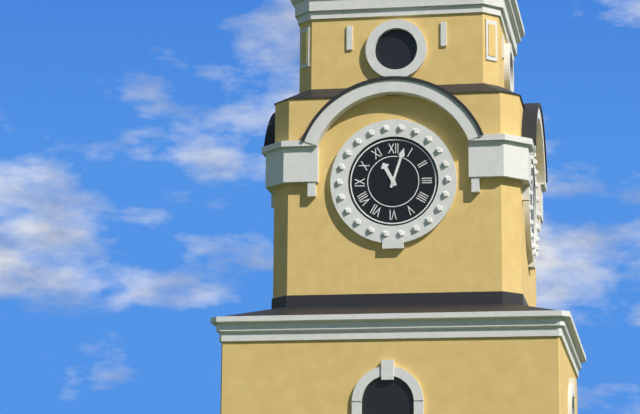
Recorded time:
11h03
